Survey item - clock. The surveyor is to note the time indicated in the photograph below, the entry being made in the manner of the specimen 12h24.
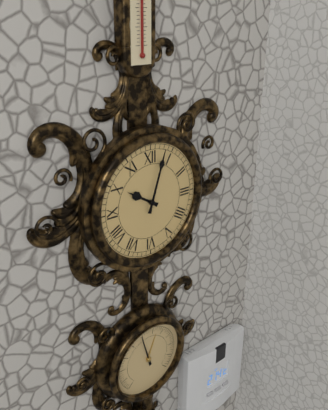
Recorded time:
10h03
